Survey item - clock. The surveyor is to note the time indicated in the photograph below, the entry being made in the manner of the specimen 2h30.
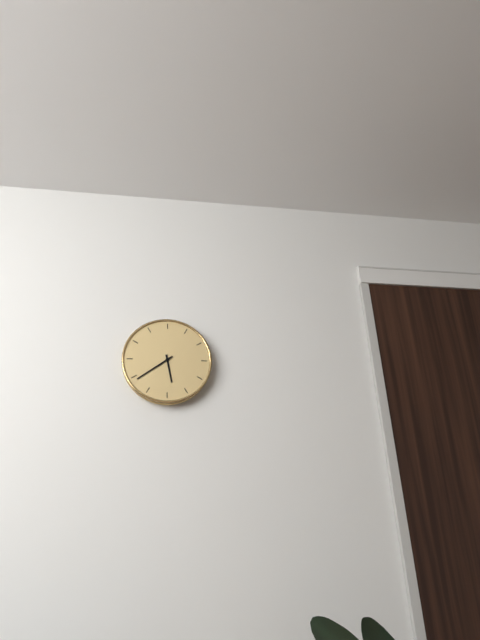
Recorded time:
5h39
